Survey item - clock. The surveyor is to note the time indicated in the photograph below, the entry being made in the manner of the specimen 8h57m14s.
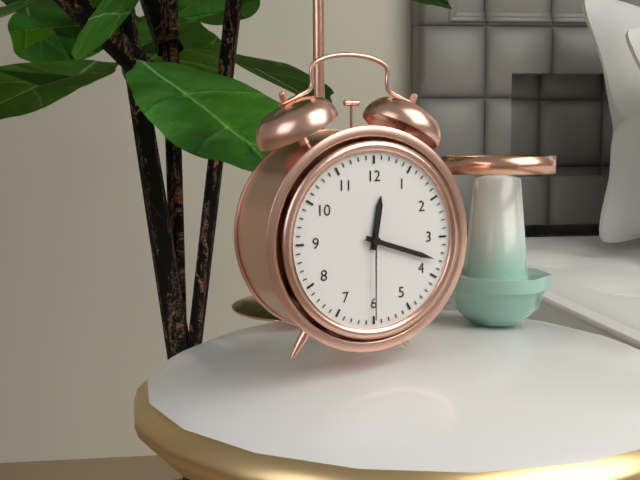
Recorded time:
12h18m30s
